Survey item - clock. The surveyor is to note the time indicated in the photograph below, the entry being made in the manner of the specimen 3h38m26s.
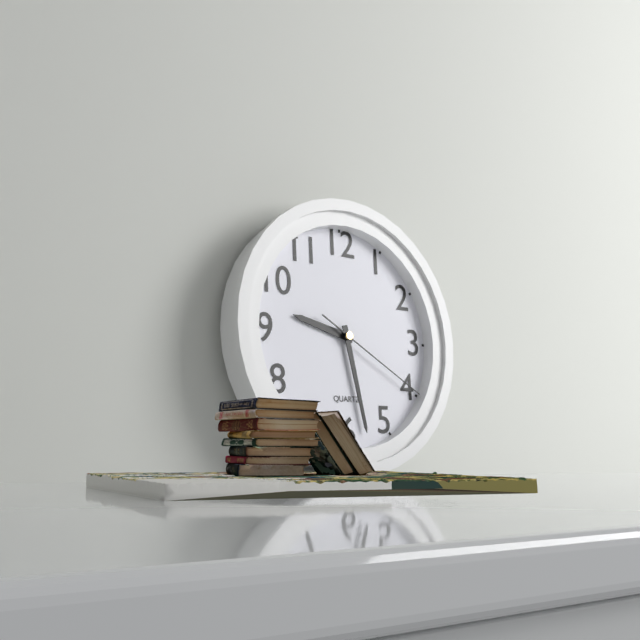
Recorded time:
9h28m20s
